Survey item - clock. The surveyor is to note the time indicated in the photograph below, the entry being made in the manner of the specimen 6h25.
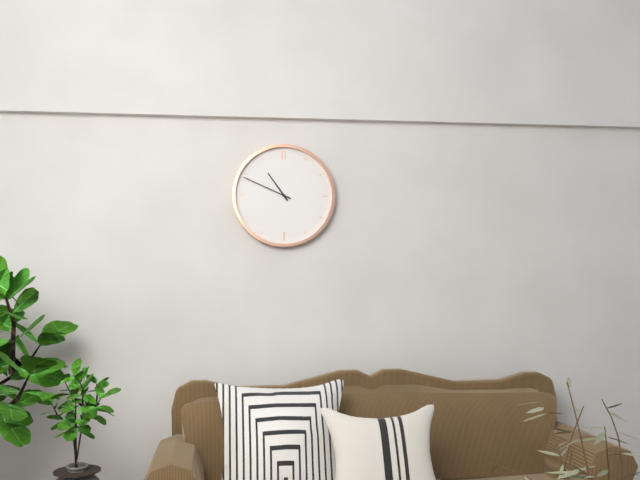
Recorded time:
10h49
